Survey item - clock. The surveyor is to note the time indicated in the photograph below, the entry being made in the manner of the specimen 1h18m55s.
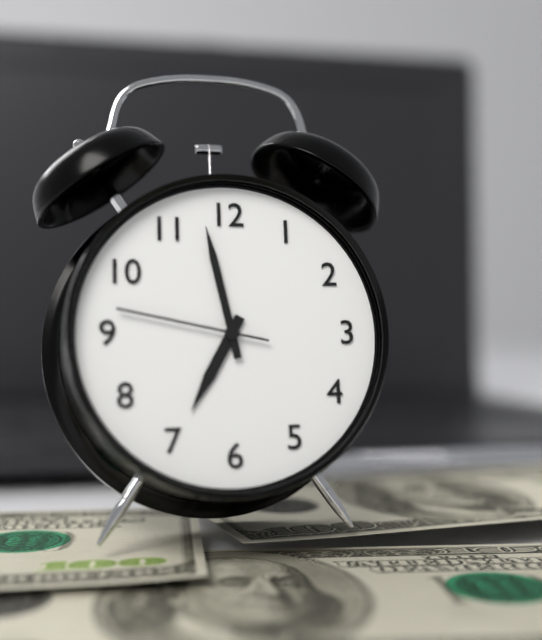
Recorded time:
6h58m47s
